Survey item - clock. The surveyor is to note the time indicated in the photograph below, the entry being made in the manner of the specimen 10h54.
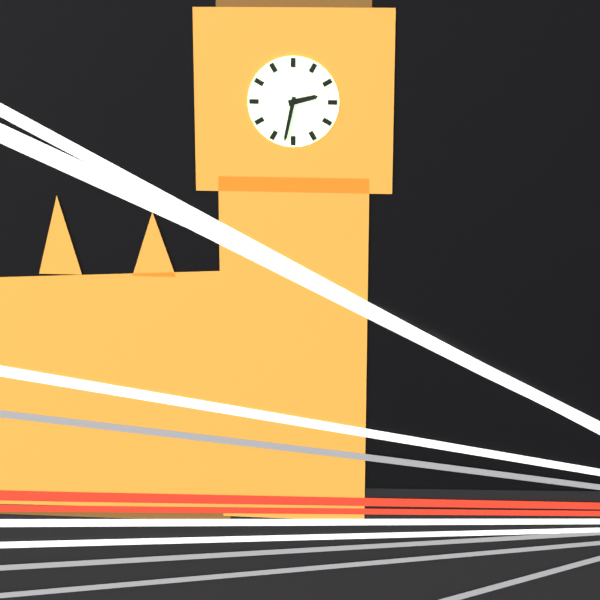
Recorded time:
2h32
